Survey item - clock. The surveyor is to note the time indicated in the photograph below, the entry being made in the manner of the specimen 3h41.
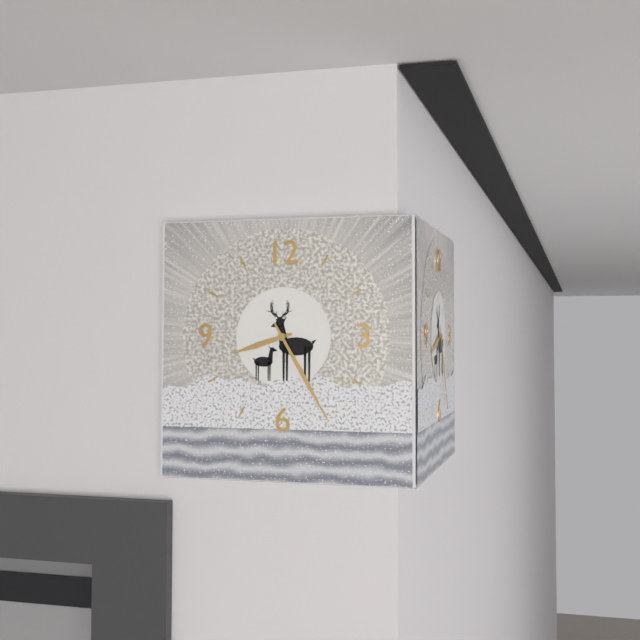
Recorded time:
8h25
